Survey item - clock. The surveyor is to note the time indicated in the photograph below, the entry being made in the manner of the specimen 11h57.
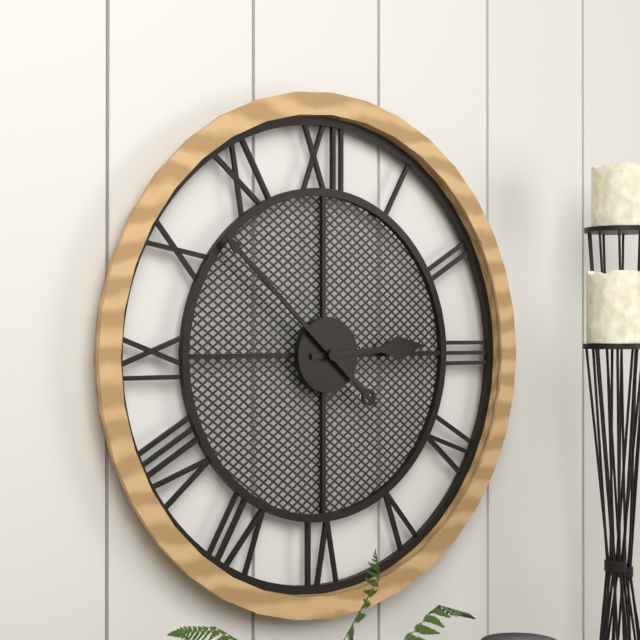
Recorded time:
2h52
